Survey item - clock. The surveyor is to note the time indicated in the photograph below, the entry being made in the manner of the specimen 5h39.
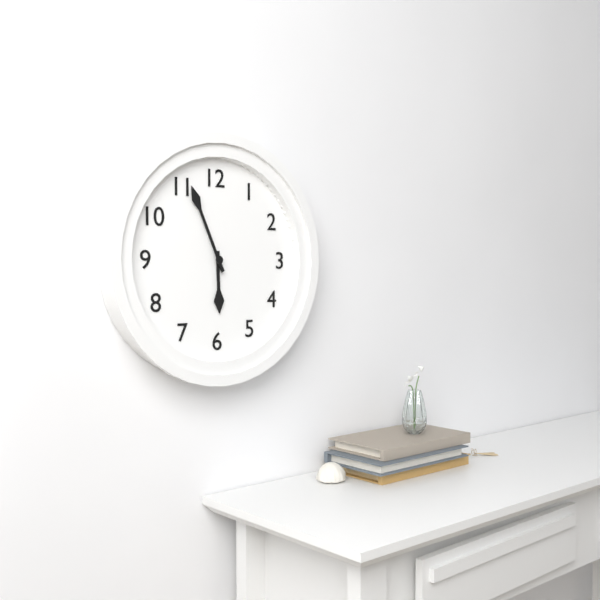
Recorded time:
5h56
